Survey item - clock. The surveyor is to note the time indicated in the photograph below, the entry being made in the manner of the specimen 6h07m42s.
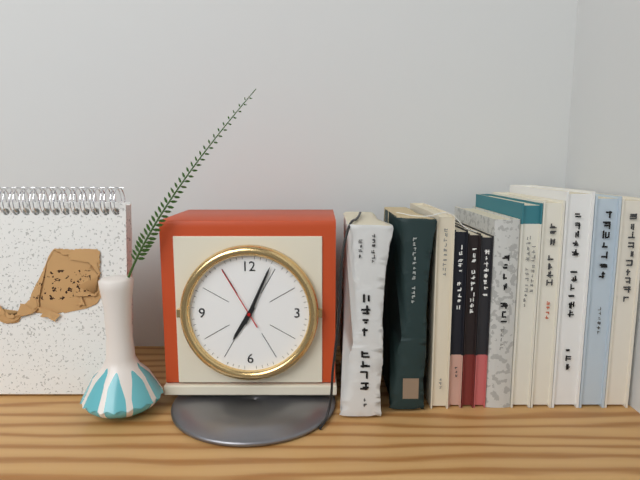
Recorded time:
7h04m55s
